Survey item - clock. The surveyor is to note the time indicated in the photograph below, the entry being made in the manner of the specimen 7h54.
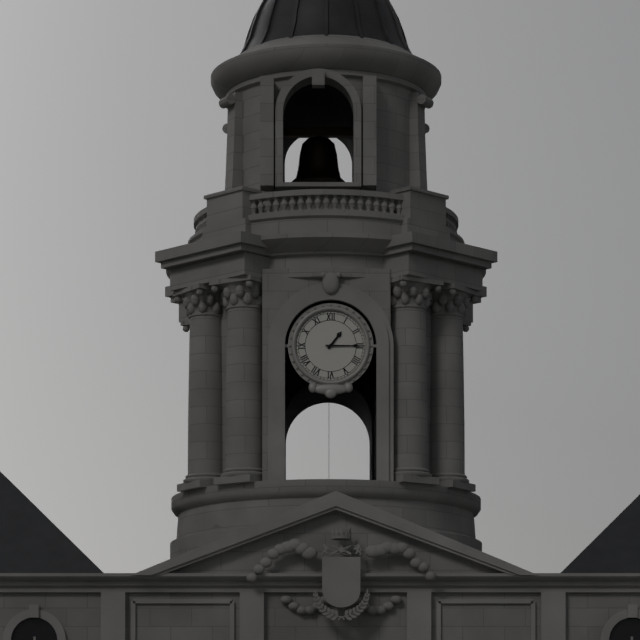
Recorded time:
1h15
